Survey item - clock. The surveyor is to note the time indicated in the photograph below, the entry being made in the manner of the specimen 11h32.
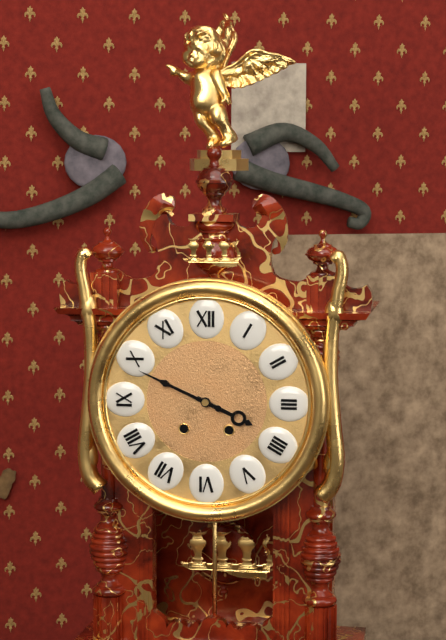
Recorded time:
3h49
